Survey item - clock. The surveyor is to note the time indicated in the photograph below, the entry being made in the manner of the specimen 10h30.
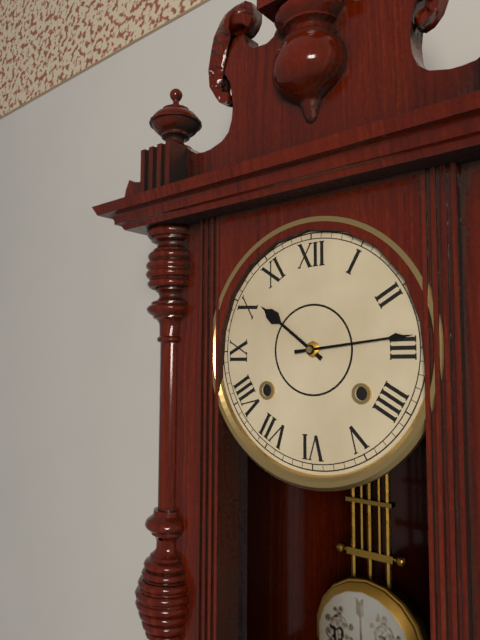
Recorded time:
10h14
